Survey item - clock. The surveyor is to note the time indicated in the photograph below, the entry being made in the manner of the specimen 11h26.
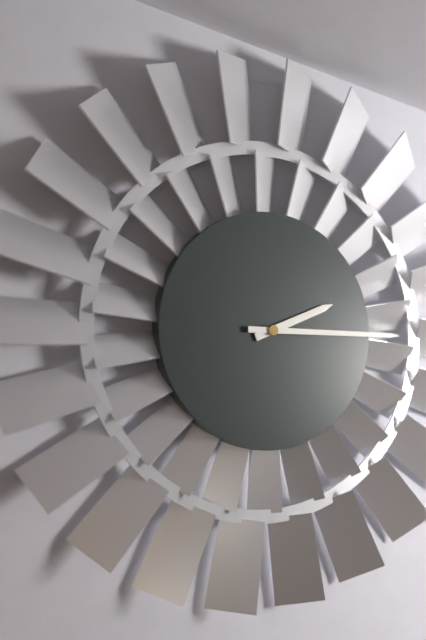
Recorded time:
2h15
